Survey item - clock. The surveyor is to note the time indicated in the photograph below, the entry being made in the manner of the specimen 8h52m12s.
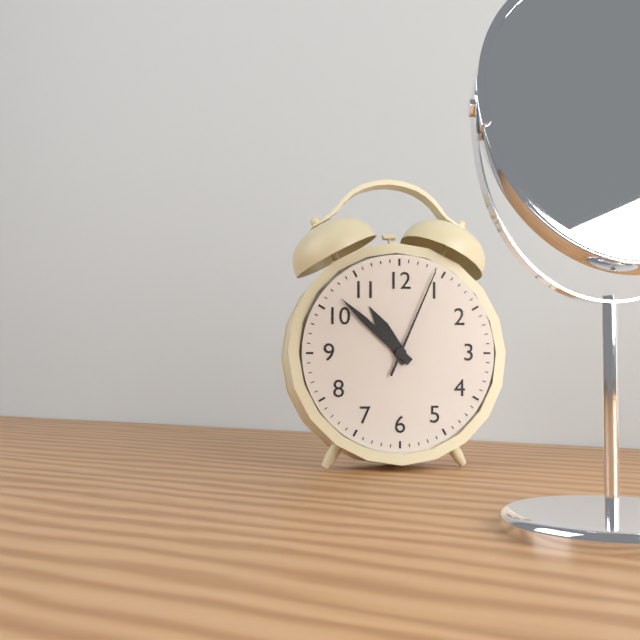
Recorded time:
10h52m04s
